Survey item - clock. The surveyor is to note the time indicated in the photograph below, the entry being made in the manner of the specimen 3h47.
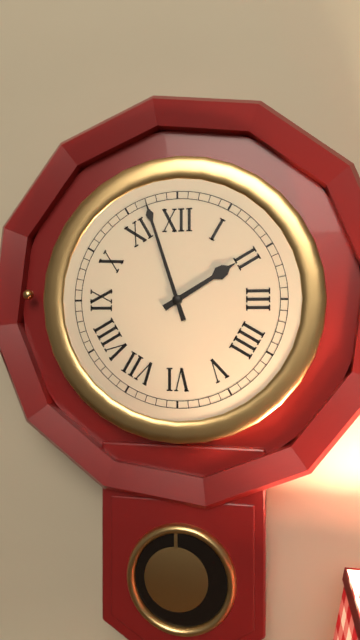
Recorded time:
1h57
